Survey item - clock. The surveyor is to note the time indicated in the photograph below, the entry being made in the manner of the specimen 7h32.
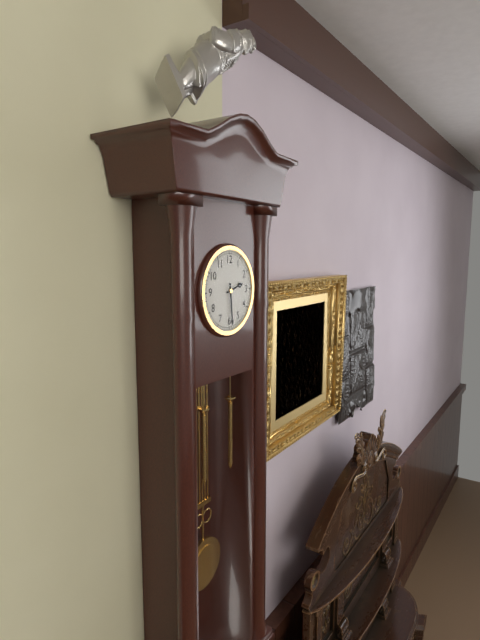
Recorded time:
2h29
